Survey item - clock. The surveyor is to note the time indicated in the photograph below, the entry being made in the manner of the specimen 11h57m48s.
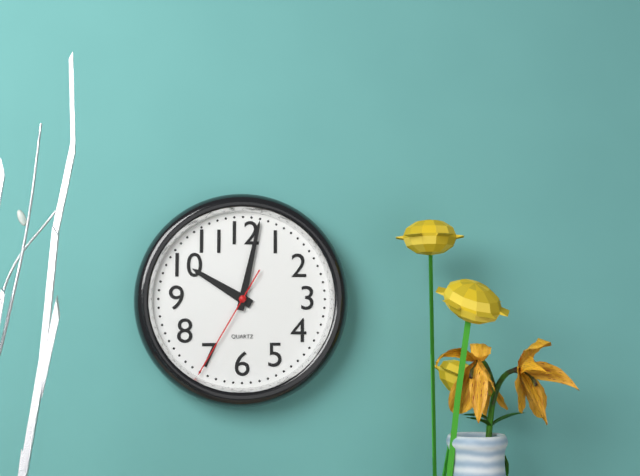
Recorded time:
10h02m35s
